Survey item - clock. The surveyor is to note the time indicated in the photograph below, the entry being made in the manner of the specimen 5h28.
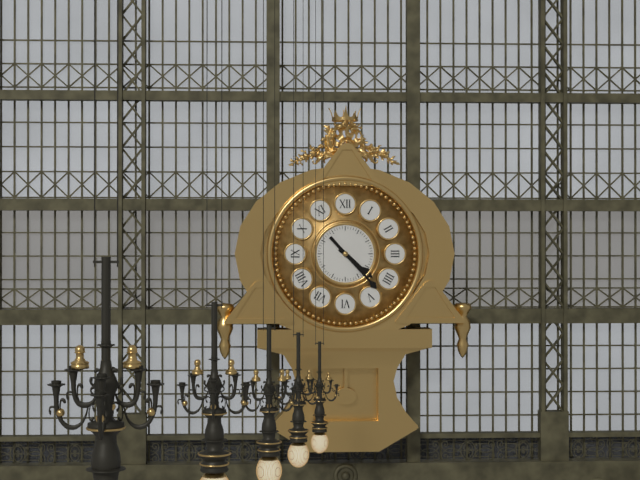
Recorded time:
4h23
